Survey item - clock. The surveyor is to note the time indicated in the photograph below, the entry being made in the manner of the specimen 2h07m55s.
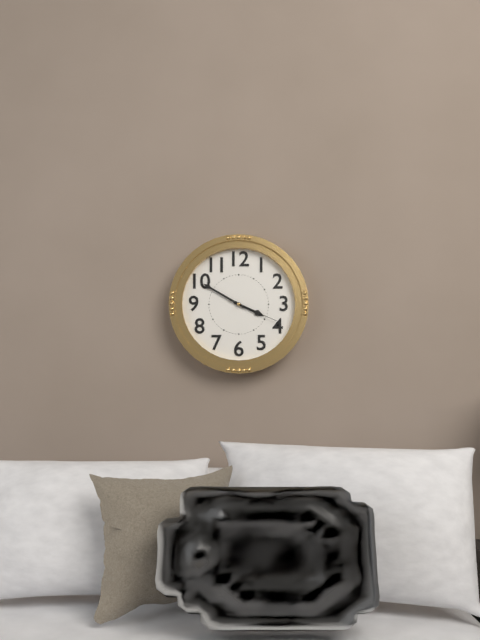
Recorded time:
3h50m19s
